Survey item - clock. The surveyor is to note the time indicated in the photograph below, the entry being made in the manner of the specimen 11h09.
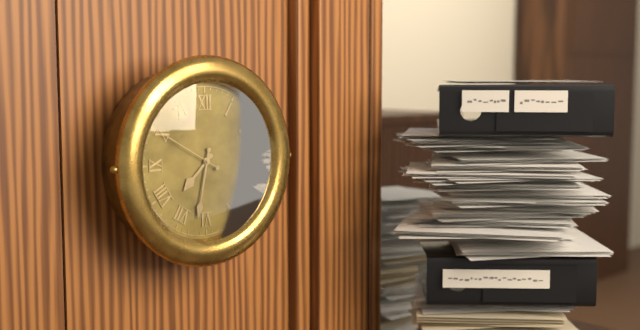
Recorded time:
7h32
